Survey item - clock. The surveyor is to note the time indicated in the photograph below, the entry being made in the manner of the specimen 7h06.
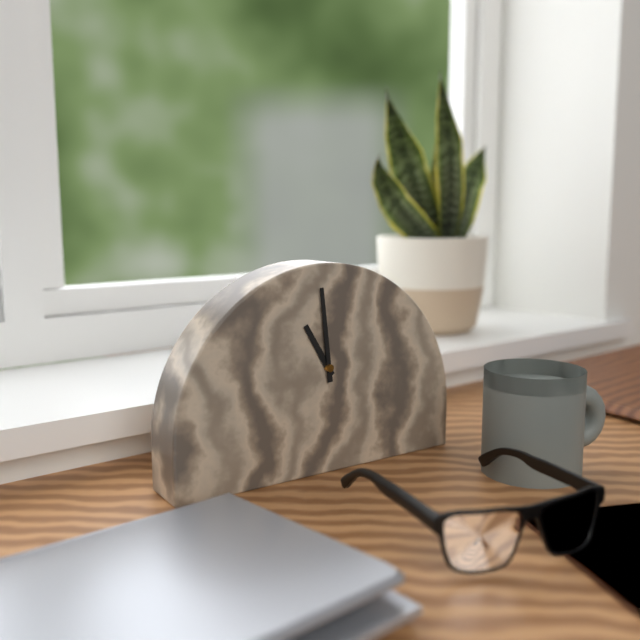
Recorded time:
10h59
